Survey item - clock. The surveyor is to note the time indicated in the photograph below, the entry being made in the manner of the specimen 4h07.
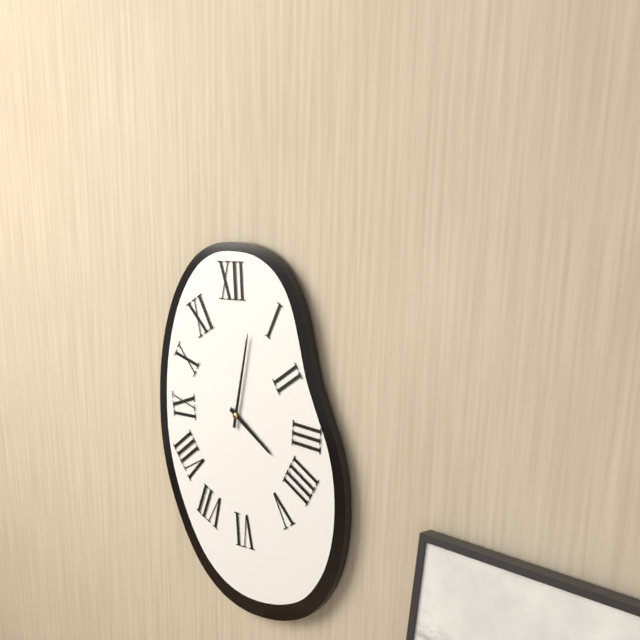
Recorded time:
4h02
